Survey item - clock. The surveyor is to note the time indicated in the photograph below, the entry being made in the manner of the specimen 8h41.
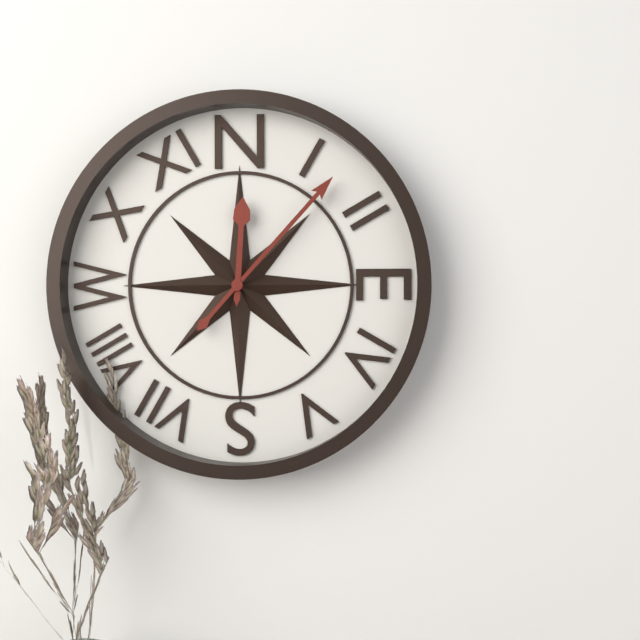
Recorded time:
12h07
